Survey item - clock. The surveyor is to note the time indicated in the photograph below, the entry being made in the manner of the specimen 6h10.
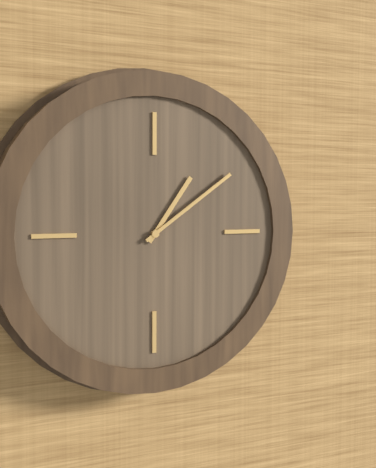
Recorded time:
1h09
